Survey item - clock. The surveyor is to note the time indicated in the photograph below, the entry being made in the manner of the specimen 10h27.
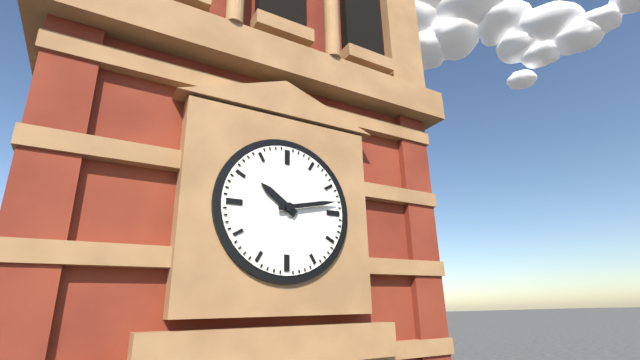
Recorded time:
10h13
